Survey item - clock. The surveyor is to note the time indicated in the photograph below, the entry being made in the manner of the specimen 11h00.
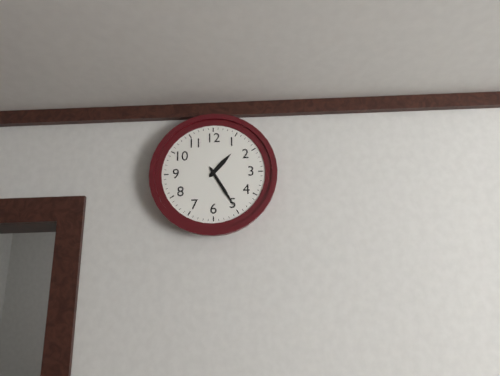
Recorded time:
1h25
